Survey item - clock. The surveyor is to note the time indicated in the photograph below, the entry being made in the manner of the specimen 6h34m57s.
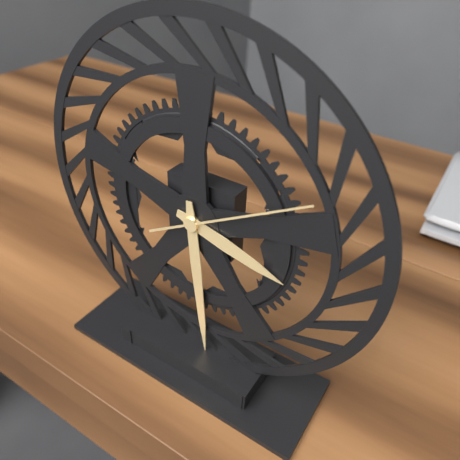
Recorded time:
3h29m10s
